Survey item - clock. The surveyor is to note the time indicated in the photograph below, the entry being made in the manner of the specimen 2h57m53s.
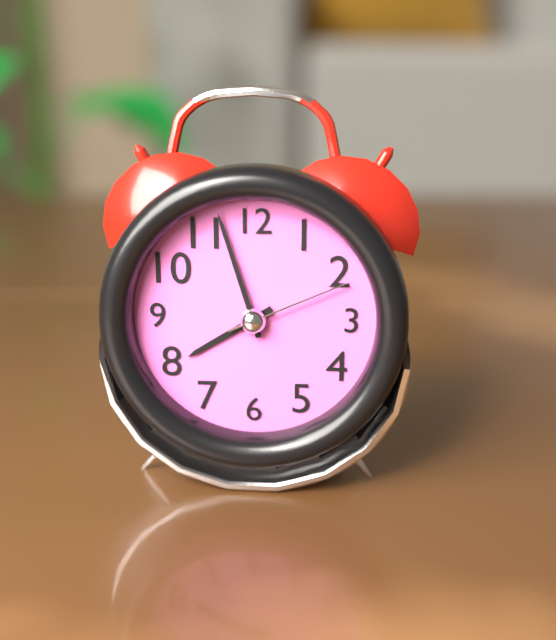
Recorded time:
7h57m11s
